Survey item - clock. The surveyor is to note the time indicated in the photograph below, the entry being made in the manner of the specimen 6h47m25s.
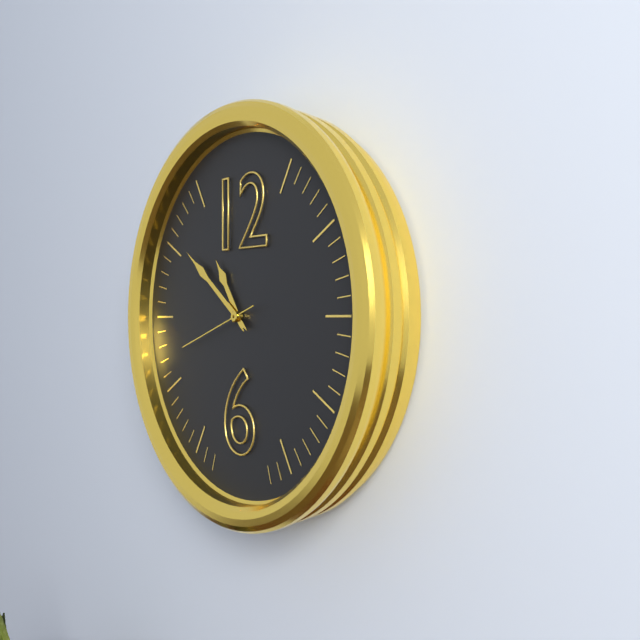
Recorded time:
10h51m42s
